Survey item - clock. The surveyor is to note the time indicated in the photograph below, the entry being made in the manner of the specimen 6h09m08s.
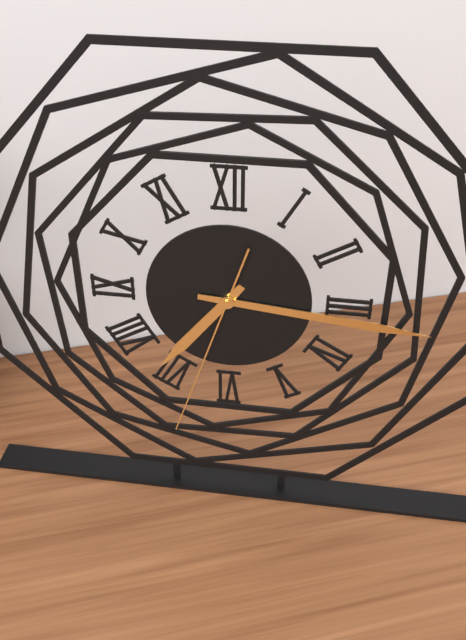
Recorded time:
7h16m33s
